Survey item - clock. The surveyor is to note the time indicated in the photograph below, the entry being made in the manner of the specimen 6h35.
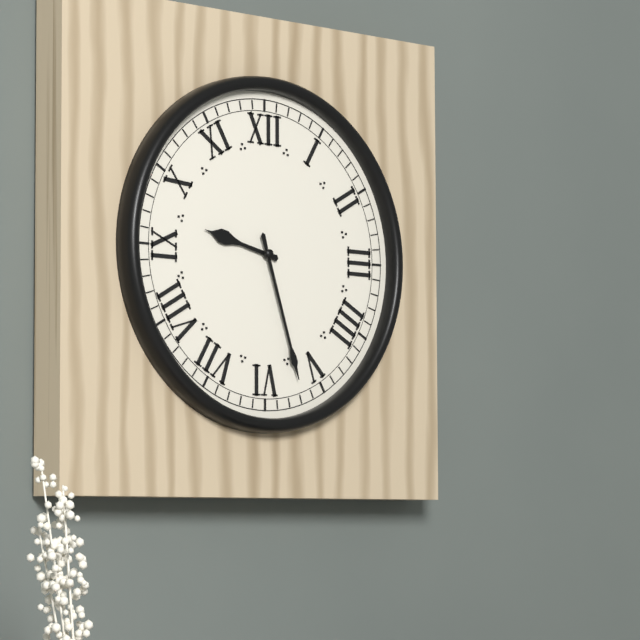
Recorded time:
9h27
